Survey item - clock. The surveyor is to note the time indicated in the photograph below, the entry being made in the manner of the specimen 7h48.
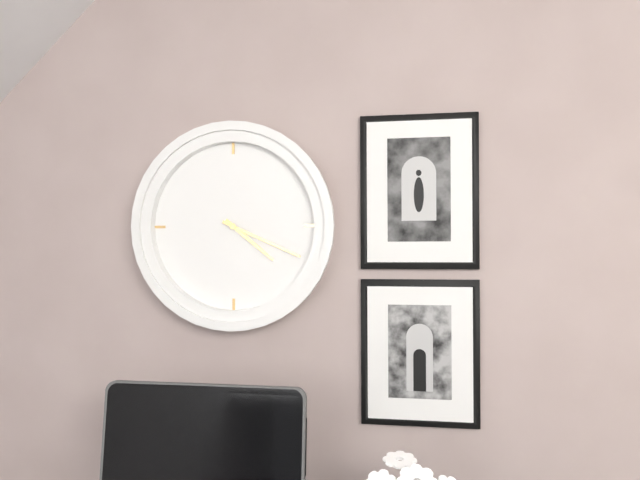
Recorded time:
4h19
